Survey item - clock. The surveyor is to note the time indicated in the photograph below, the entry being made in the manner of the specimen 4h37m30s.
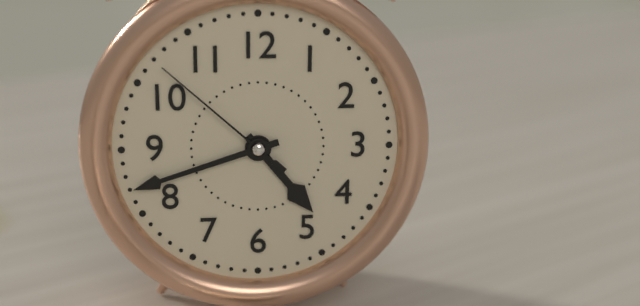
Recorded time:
4h42m52s
